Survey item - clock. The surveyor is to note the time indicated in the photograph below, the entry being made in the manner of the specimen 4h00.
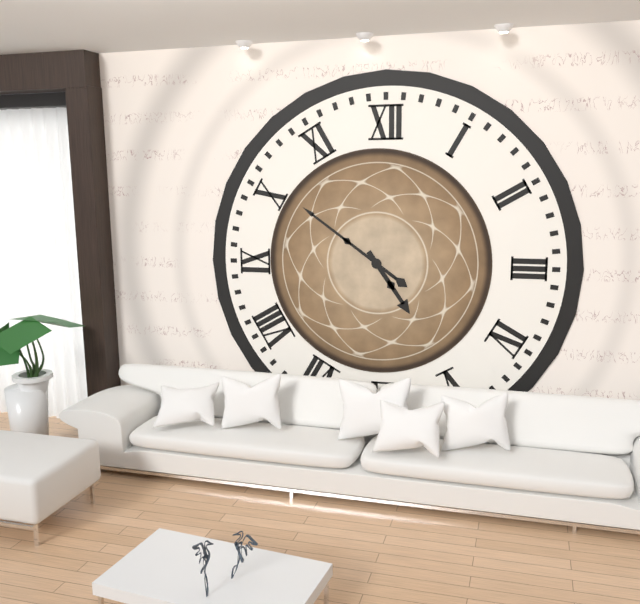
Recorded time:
4h51
